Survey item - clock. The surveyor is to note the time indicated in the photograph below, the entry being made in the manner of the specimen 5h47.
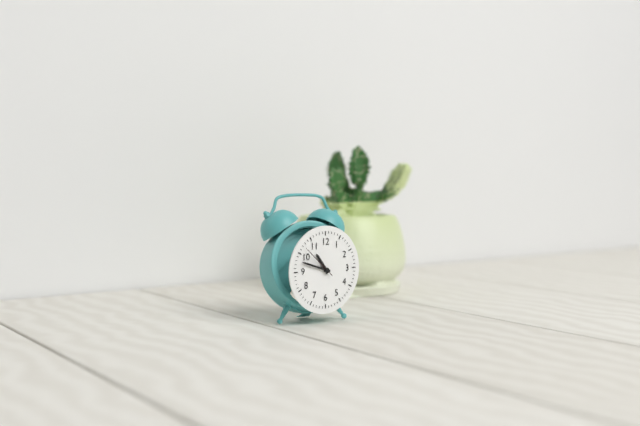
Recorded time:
10h48
